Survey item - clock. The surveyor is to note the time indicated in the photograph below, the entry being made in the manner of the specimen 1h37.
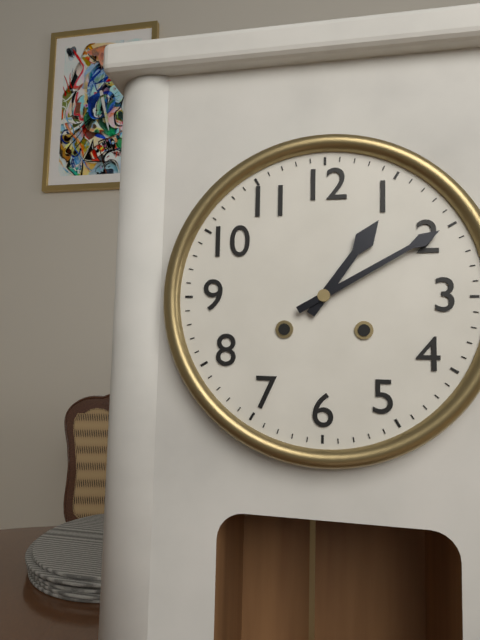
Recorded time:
1h10
